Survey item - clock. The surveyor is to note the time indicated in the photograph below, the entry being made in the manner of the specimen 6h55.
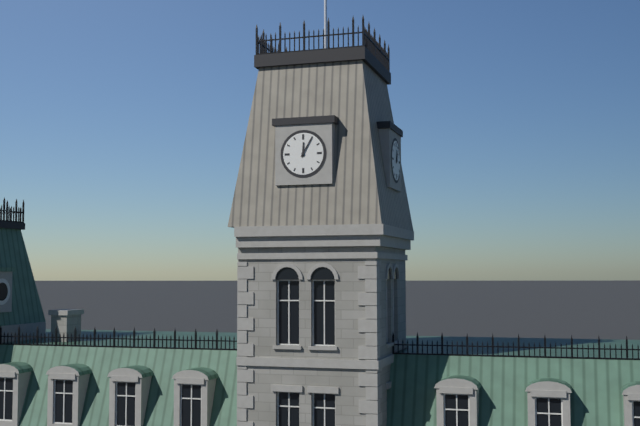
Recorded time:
12h05
